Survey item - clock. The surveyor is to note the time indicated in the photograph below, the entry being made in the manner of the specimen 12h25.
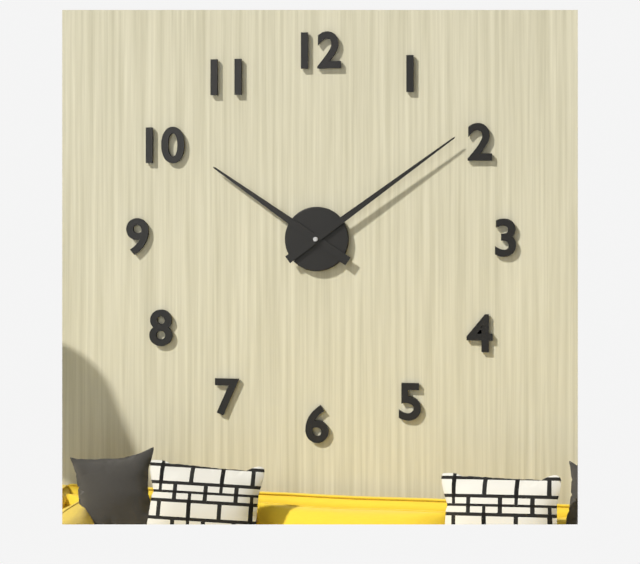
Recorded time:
10h09
